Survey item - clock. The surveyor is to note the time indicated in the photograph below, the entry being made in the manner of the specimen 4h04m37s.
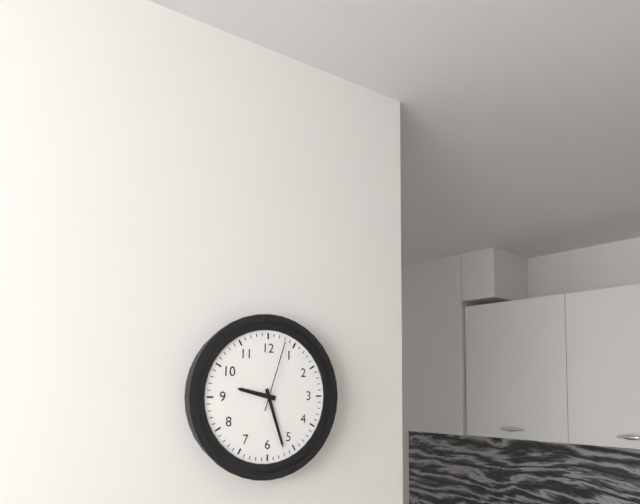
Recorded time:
9h27m03s
